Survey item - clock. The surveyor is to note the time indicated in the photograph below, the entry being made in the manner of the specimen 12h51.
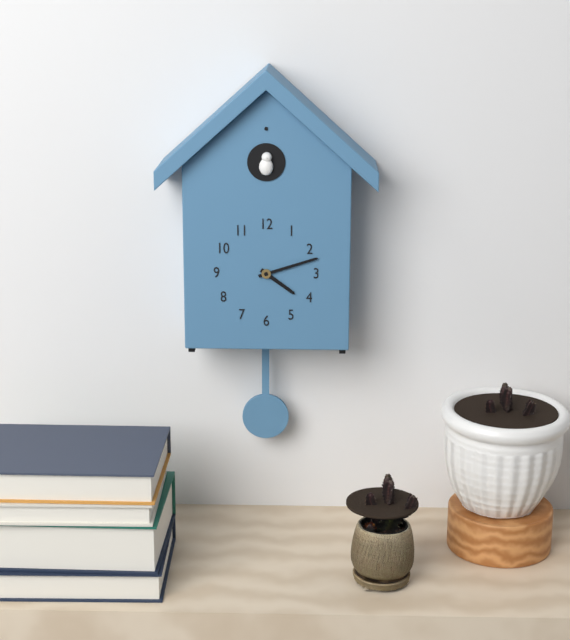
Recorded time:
4h12
